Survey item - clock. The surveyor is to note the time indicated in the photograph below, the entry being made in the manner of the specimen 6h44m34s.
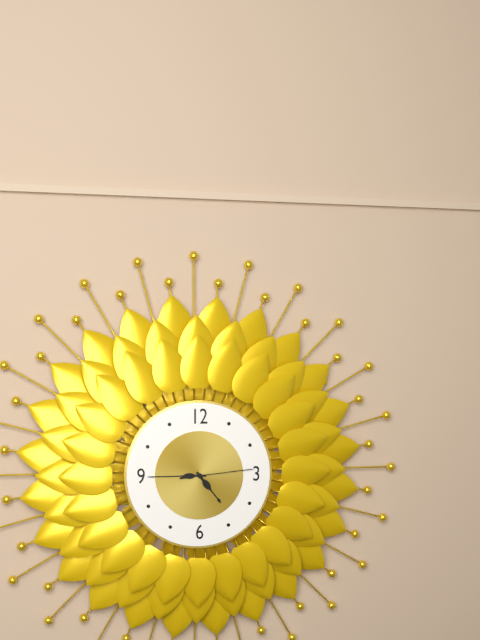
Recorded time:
4h45m14s
